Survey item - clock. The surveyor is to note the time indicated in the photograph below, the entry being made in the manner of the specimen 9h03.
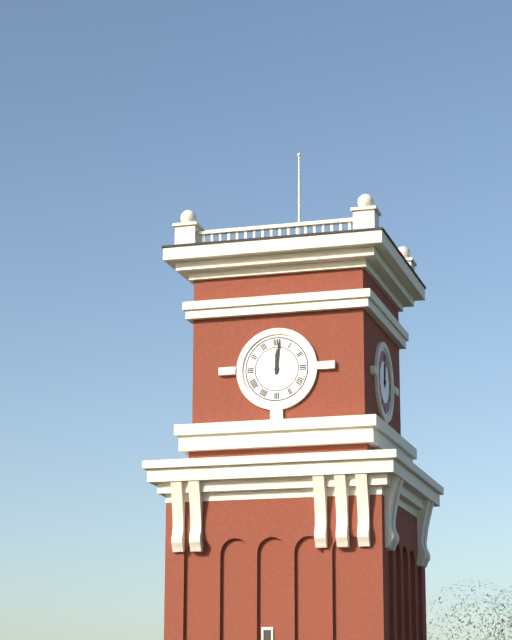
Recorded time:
12h01
